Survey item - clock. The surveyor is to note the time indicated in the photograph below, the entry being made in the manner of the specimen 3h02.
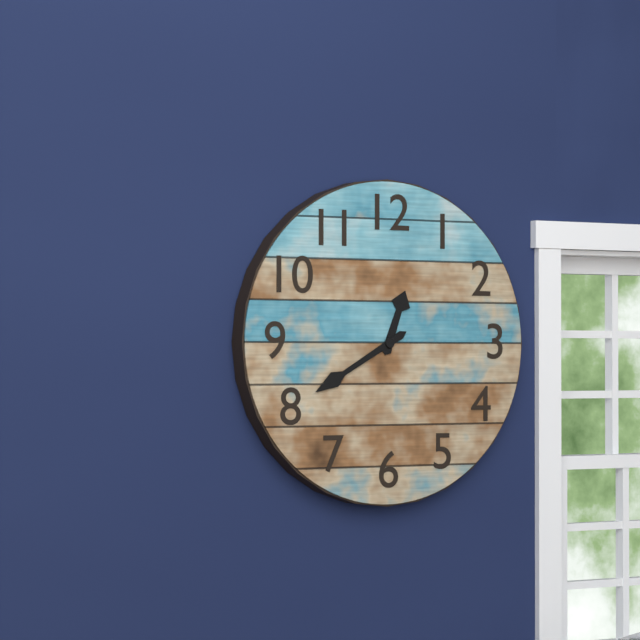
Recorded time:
12h40
